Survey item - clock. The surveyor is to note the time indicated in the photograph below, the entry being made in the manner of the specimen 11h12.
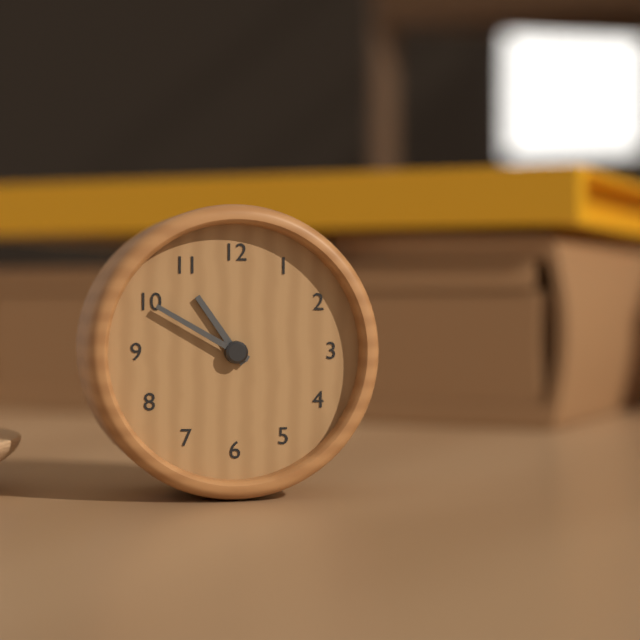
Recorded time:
10h50
